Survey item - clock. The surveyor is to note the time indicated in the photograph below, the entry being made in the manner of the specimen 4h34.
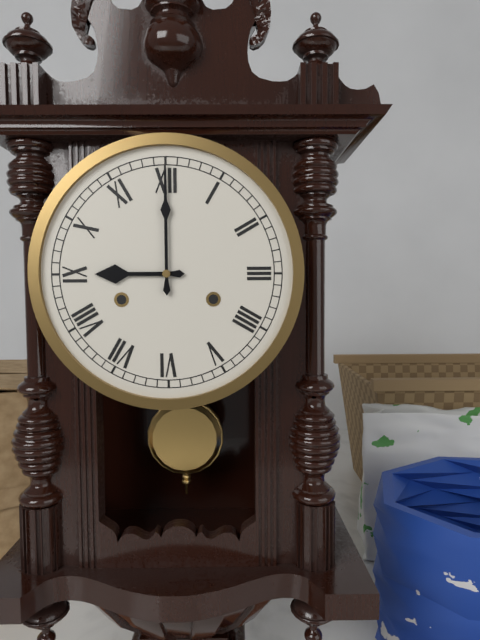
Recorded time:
9h00
